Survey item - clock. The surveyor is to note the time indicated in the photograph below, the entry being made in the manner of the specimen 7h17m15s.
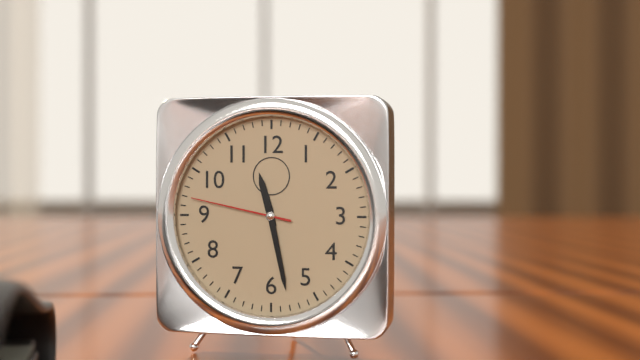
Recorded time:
11h28m47s
